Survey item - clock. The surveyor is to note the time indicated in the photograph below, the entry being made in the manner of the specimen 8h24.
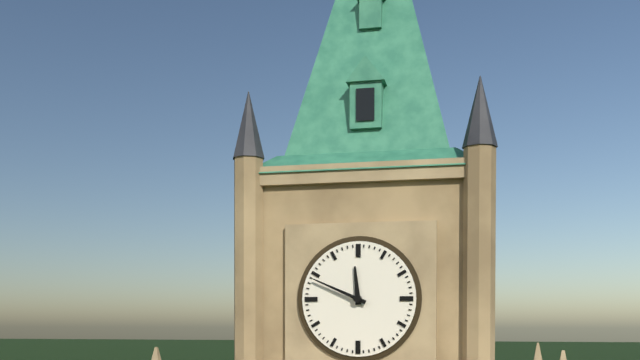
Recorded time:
11h49
